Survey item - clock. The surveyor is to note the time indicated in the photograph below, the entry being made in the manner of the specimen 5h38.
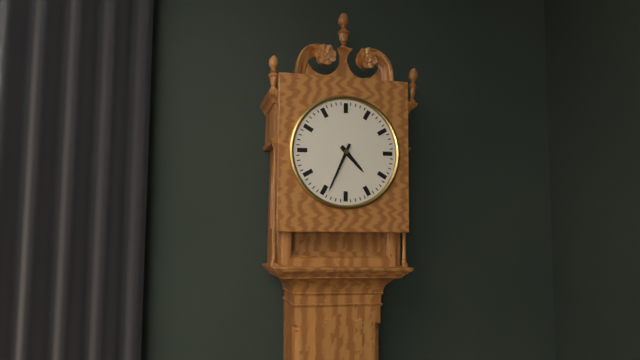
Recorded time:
4h34
